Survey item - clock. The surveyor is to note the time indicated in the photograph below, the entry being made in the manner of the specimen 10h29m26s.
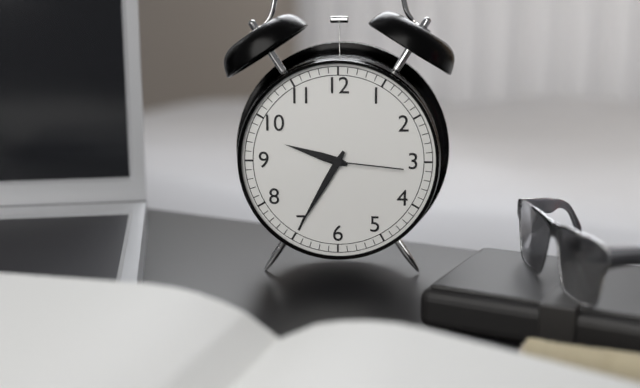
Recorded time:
9h35m16s
